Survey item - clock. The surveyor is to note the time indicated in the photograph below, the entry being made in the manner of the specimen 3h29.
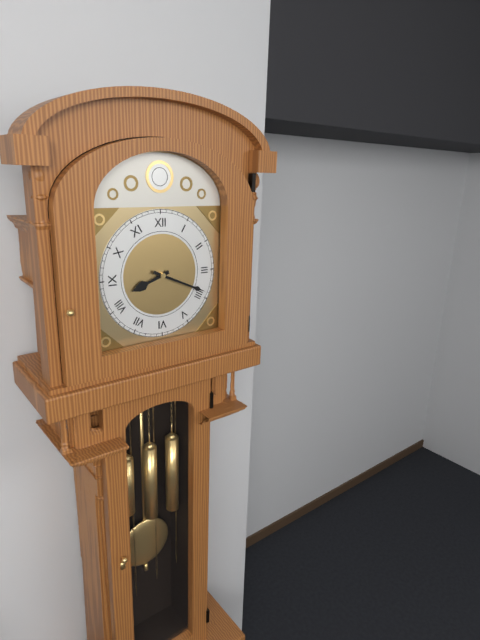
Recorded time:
8h19
